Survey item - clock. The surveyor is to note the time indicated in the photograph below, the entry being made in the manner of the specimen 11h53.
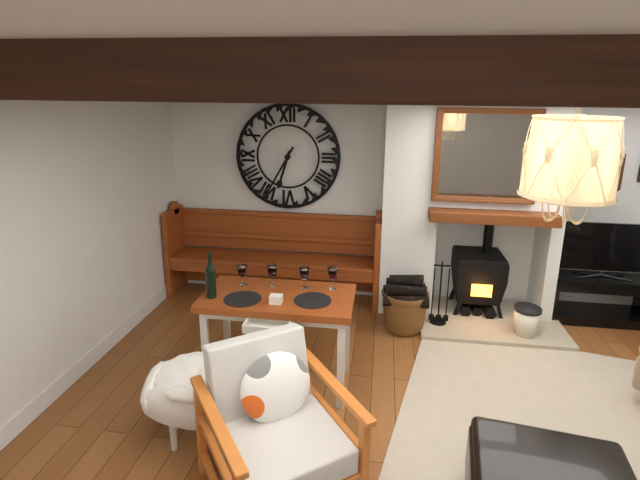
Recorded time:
6h35
